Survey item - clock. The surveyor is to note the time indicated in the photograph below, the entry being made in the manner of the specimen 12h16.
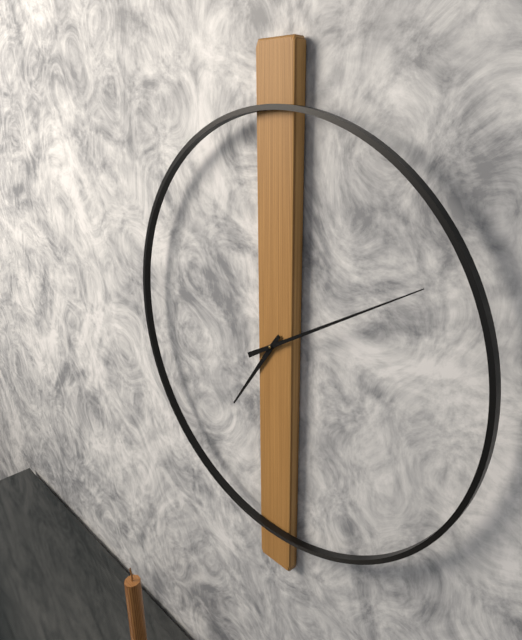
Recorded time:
7h10
